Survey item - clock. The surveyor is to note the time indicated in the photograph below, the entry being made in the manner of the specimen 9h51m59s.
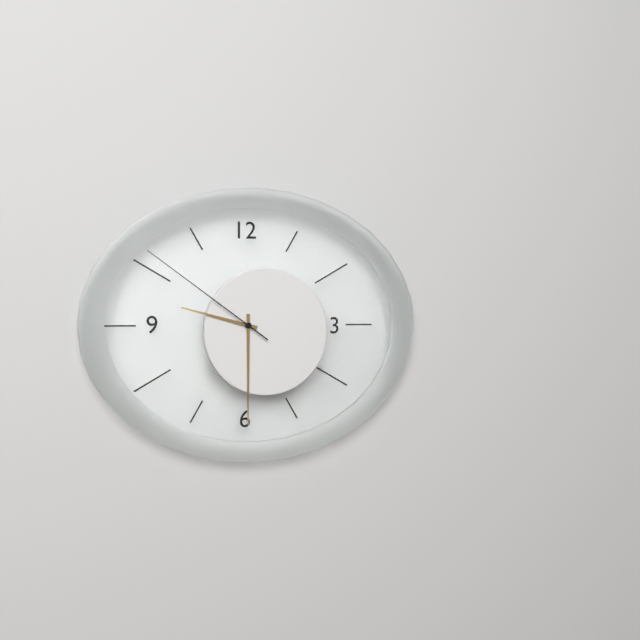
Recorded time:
9h30m51s
